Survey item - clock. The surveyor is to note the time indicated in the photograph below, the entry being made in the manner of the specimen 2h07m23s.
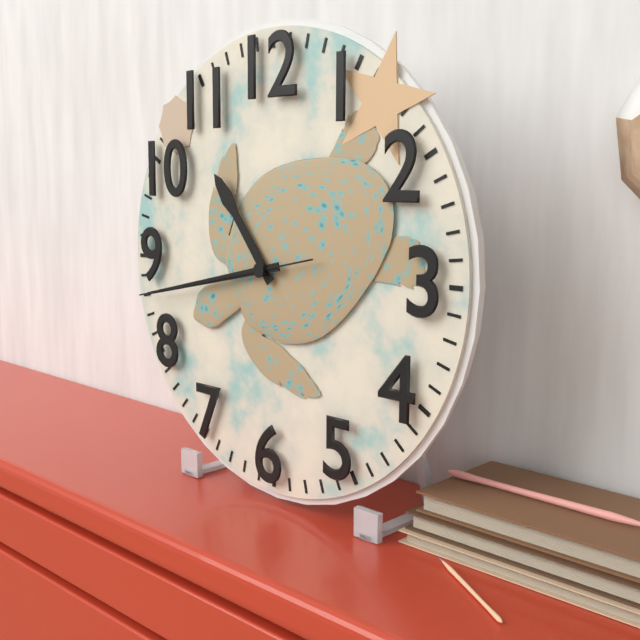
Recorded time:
10h43m43s
